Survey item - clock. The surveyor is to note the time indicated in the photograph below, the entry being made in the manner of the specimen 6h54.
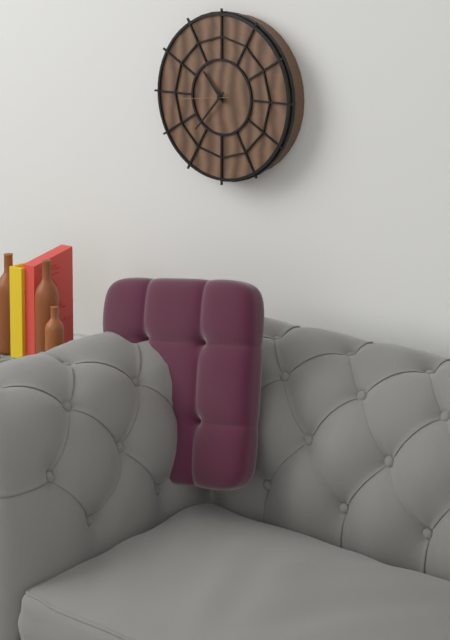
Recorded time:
10h37
